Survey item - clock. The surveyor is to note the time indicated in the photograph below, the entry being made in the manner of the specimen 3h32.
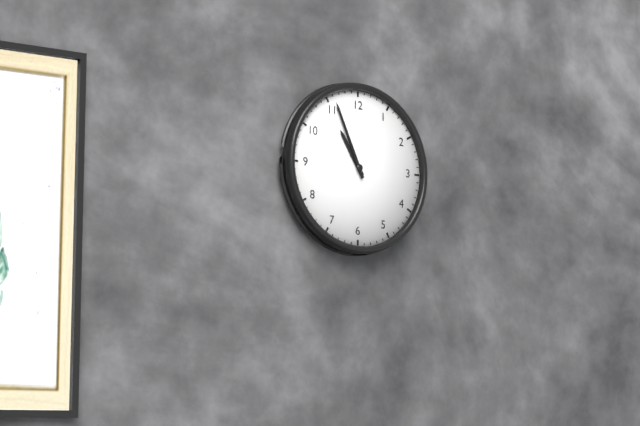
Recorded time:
10h56
